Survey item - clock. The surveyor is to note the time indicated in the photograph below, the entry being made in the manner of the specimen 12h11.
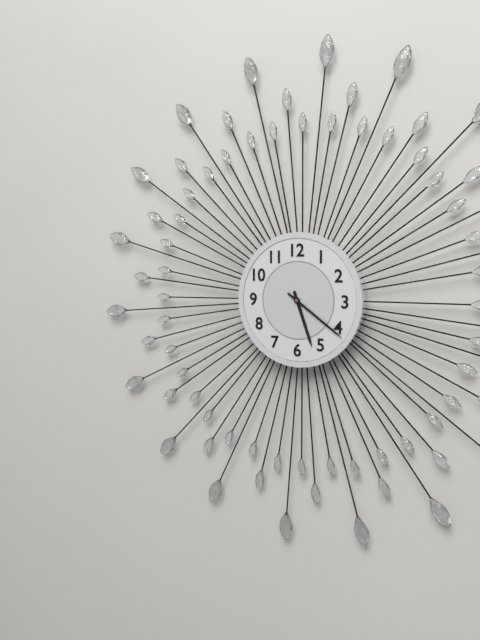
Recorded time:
5h21
